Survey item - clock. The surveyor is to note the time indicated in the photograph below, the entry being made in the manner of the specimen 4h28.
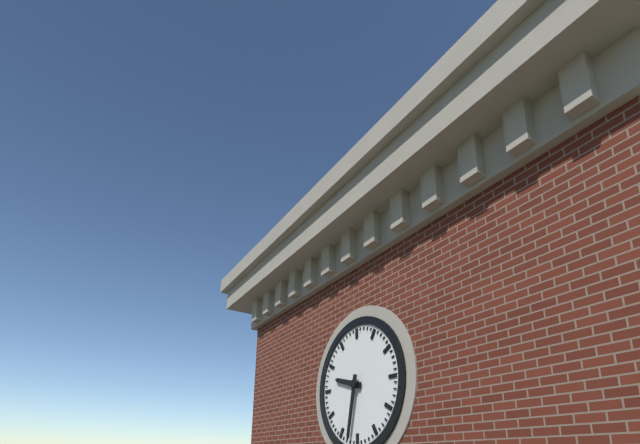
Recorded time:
9h32
